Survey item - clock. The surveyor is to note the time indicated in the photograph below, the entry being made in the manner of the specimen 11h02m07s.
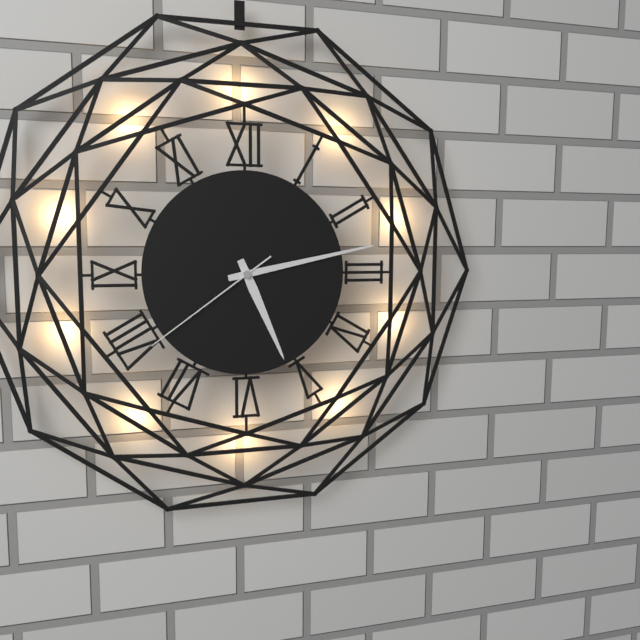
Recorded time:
5h13m39s
